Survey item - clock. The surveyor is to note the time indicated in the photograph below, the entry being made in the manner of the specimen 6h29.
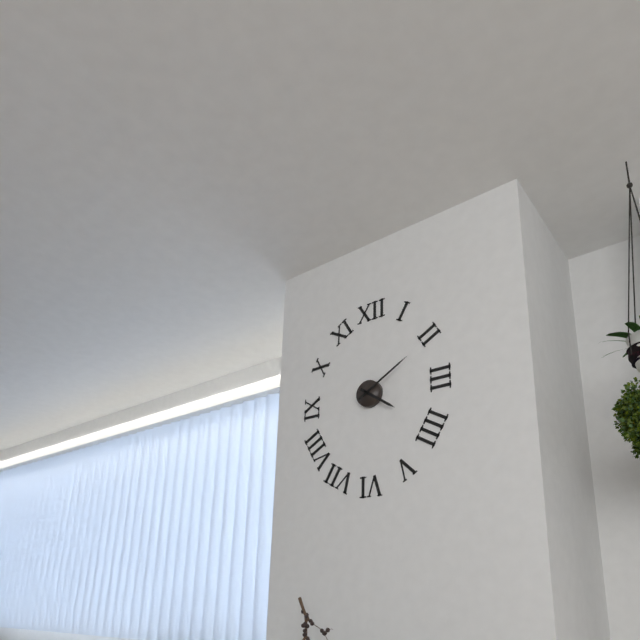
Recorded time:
4h10
